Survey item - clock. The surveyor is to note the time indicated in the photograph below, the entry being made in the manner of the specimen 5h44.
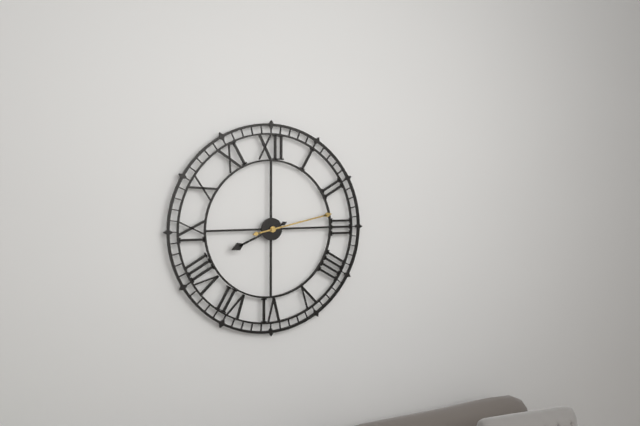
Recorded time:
8h13
